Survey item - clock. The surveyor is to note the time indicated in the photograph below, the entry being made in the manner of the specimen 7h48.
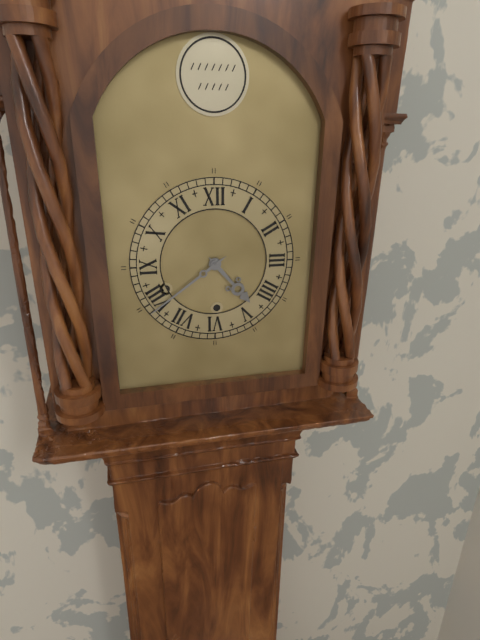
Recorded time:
4h39
